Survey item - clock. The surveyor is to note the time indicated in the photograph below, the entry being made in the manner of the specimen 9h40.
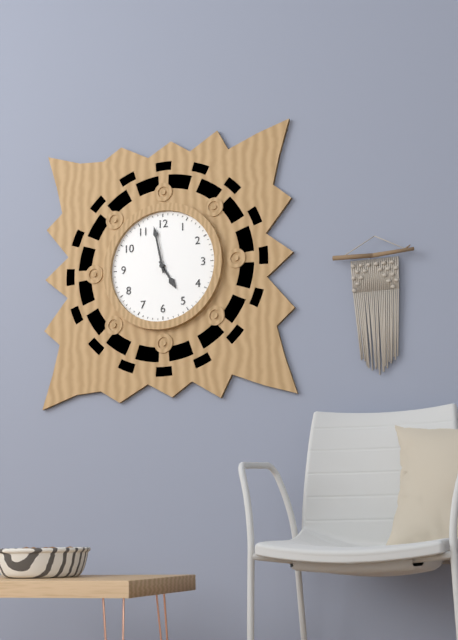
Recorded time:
4h58
